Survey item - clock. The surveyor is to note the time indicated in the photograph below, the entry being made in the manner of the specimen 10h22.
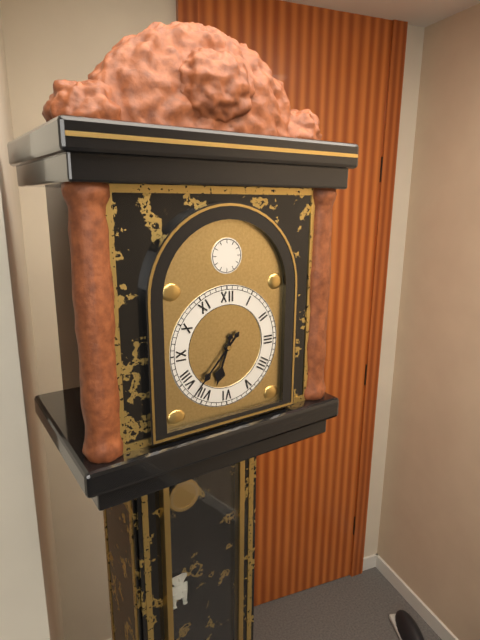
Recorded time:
6h37
